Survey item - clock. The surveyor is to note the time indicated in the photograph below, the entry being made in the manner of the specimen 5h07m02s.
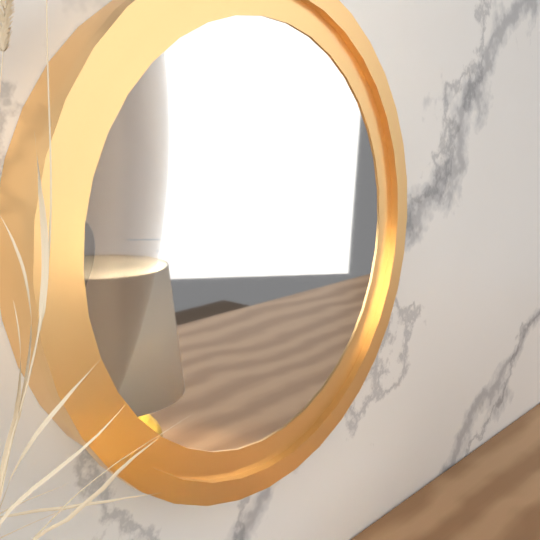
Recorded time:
1h09m46s
